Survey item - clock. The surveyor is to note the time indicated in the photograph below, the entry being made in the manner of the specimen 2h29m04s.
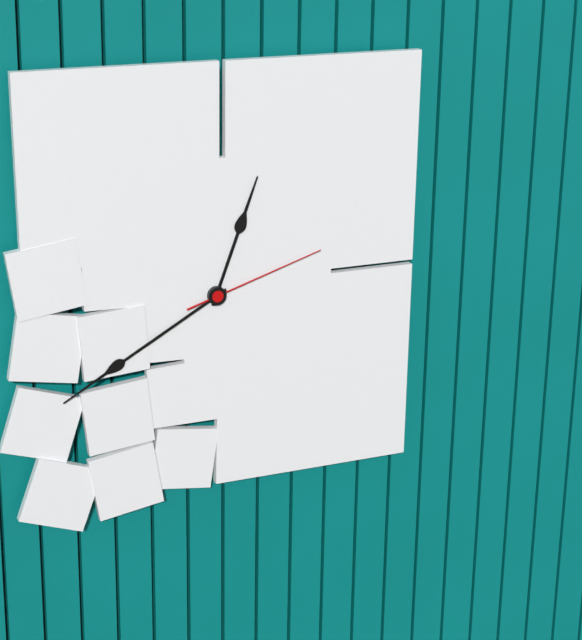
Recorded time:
12h40m12s
